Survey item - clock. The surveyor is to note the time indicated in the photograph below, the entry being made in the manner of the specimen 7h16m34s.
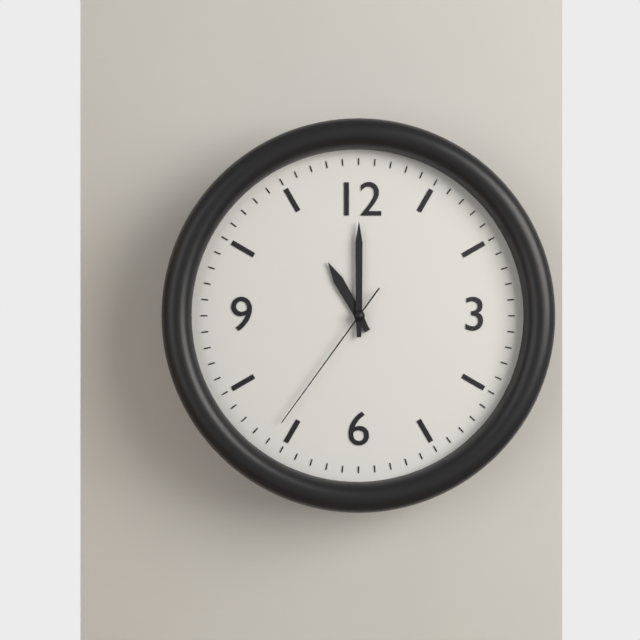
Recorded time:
11h00m36s
